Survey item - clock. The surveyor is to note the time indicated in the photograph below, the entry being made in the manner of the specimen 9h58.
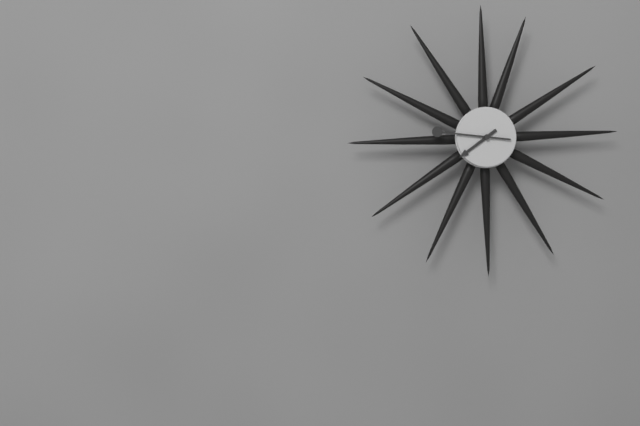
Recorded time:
7h46
